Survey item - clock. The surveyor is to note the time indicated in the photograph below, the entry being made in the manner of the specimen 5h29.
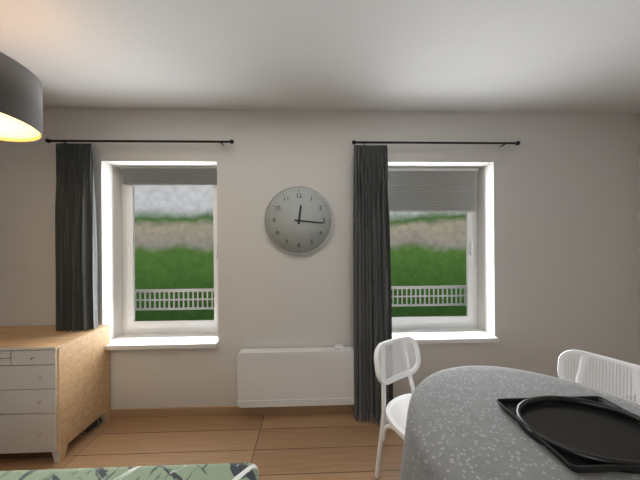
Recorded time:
12h16
